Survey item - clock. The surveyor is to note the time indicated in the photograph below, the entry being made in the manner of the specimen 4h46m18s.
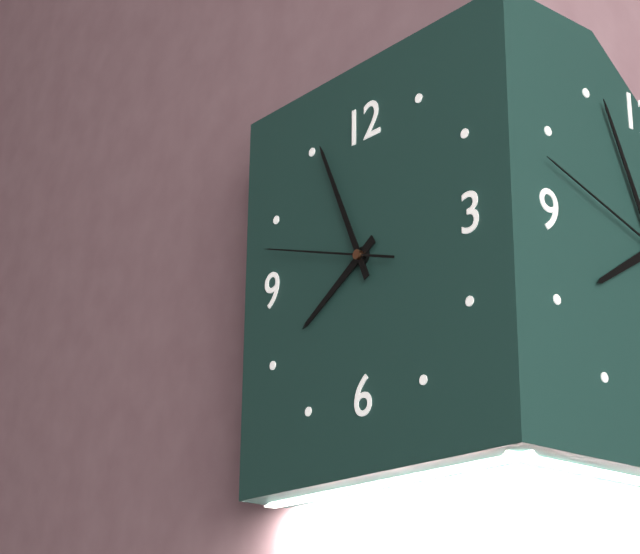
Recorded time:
7h56m48s
